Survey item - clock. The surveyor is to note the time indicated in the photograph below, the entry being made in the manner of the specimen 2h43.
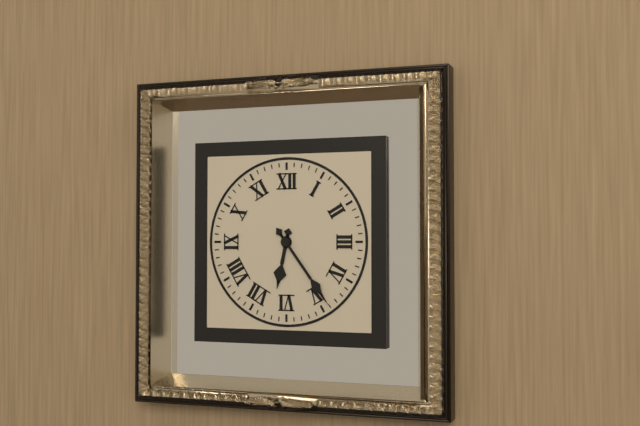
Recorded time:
6h24
